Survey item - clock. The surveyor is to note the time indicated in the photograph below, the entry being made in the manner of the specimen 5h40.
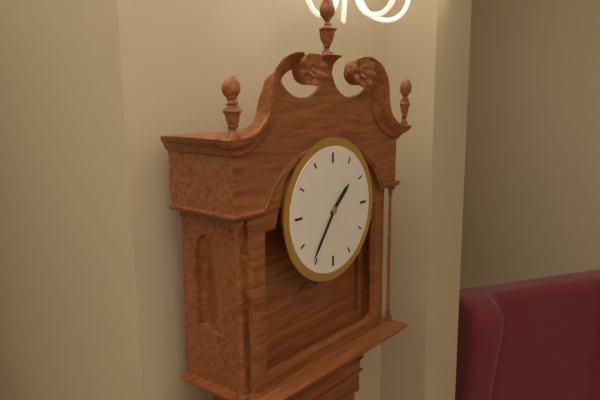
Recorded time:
1h36
